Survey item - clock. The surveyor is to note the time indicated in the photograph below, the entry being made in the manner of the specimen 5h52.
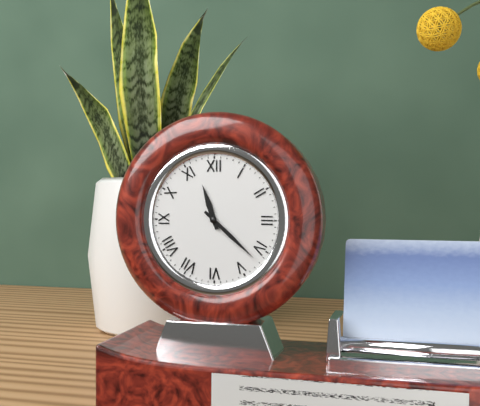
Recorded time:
11h22
